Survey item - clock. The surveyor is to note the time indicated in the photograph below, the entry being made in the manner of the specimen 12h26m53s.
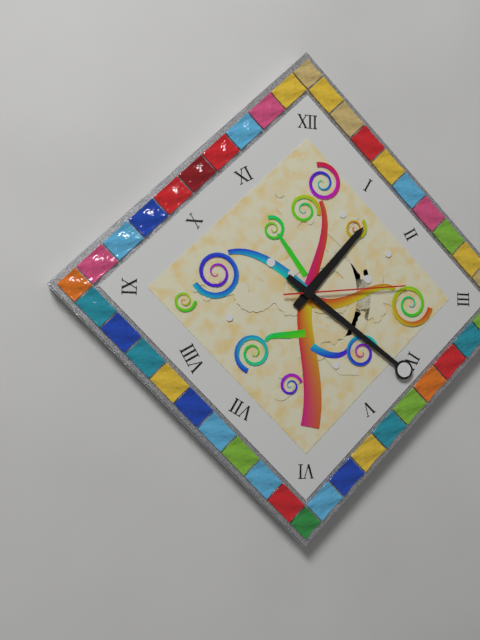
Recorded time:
1h21m14s
